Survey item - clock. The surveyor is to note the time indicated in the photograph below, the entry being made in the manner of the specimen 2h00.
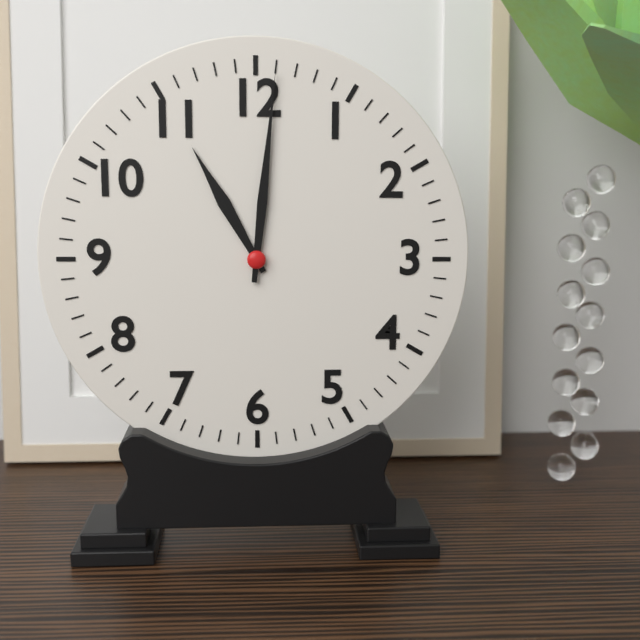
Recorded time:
11h01
